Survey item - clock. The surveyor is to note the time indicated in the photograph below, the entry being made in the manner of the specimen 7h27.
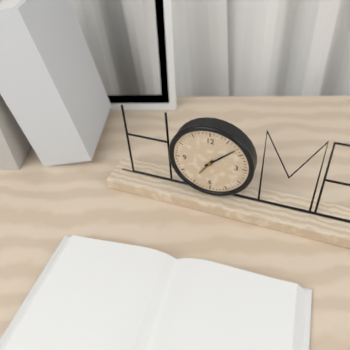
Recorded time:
7h08
